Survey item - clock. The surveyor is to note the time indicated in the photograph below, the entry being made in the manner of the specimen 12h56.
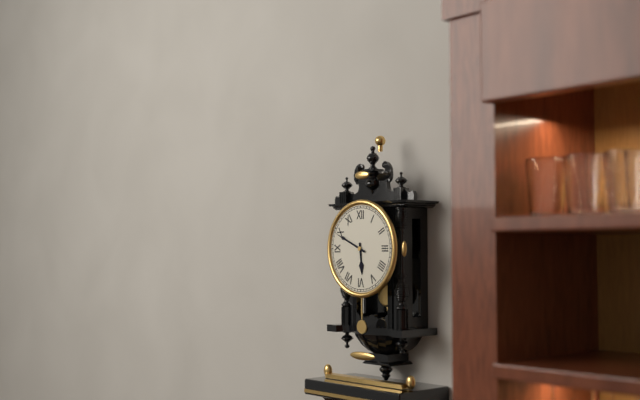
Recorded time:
5h49
